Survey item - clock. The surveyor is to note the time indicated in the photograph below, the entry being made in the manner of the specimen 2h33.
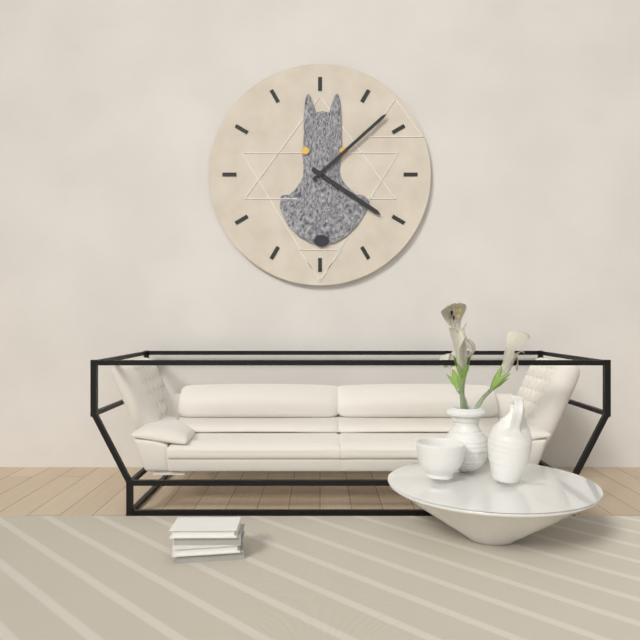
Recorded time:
4h08
